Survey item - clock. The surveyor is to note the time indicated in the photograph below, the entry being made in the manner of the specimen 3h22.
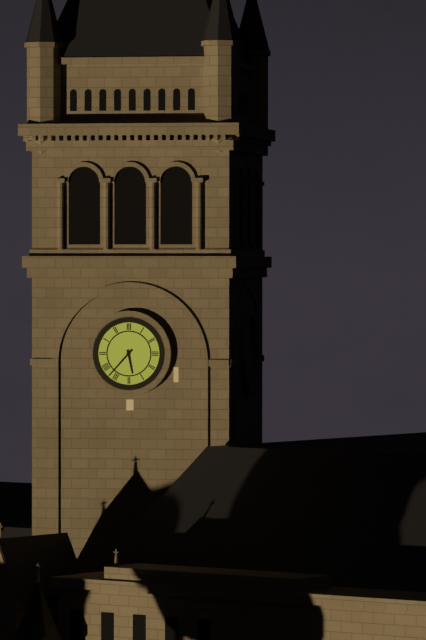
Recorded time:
5h37
